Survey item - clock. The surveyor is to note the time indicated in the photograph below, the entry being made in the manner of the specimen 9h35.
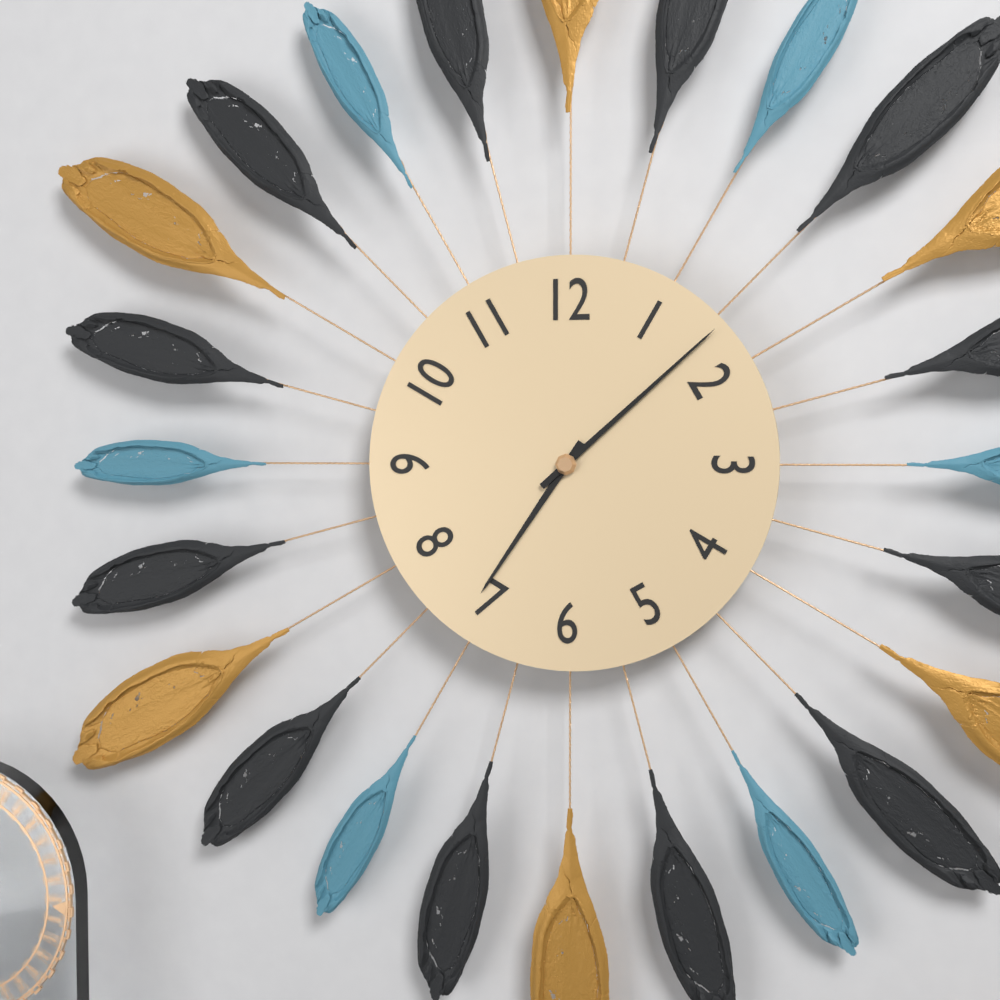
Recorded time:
7h08
